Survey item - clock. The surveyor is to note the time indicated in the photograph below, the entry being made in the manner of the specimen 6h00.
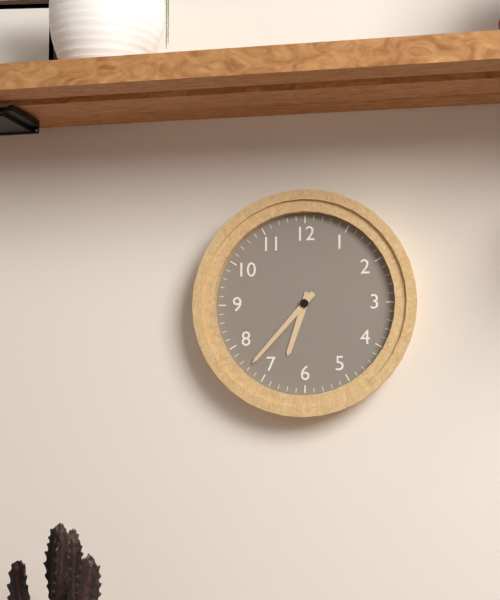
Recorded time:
6h37
